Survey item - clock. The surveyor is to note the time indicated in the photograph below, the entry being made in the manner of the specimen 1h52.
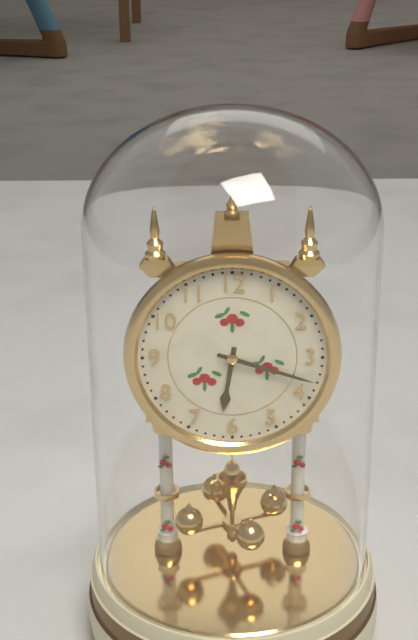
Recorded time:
6h18
